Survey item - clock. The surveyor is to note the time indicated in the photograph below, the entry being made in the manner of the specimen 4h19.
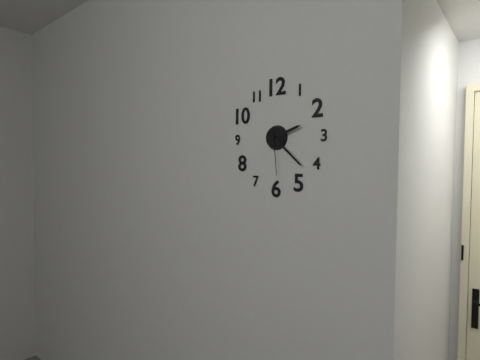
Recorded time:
2h22
